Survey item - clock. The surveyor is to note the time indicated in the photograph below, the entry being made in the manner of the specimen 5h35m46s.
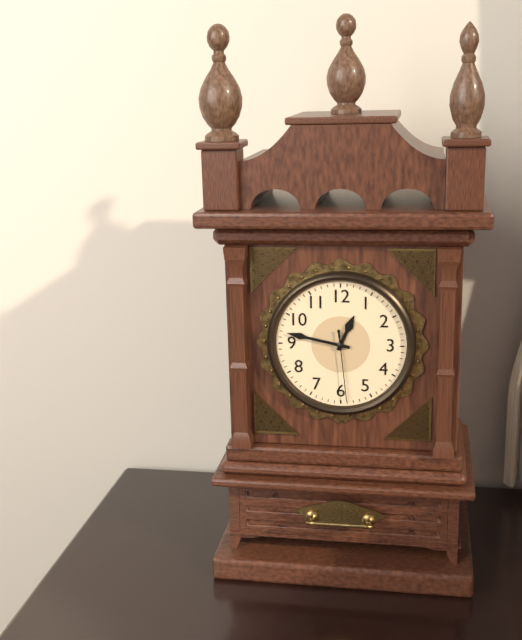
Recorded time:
12h47m29s
